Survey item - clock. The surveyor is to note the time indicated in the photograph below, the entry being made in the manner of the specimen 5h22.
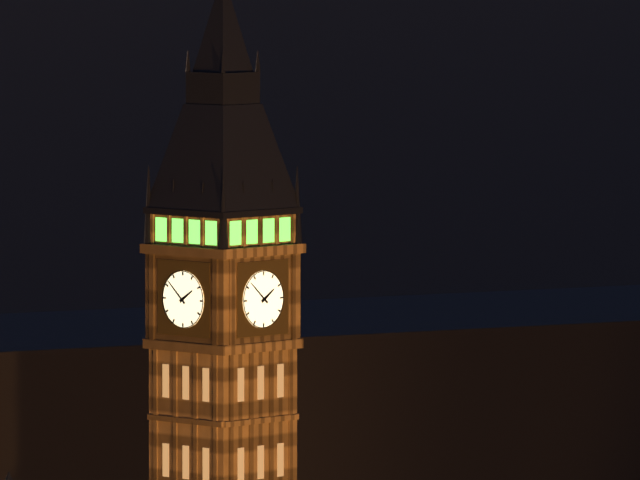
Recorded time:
1h52
